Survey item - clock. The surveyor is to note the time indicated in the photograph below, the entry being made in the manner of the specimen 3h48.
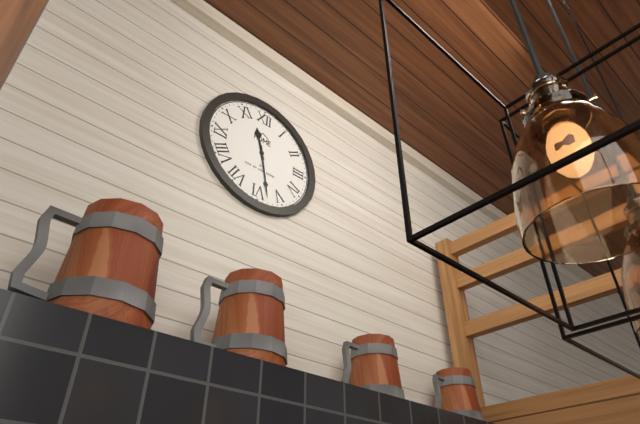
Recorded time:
11h28
